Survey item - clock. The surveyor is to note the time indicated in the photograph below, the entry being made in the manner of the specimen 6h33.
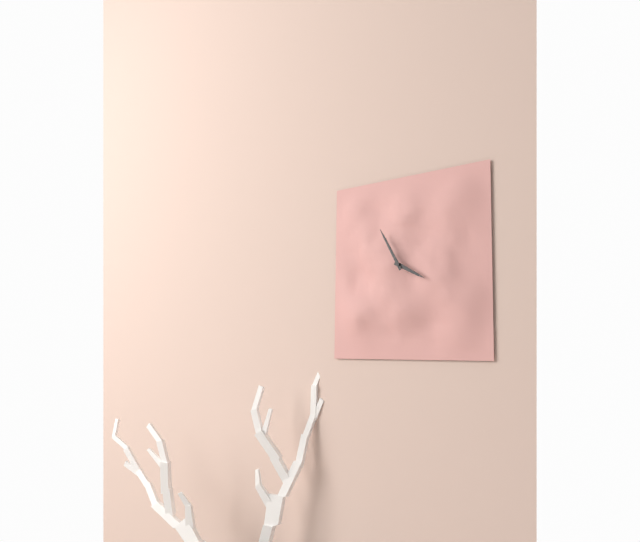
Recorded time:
3h55
